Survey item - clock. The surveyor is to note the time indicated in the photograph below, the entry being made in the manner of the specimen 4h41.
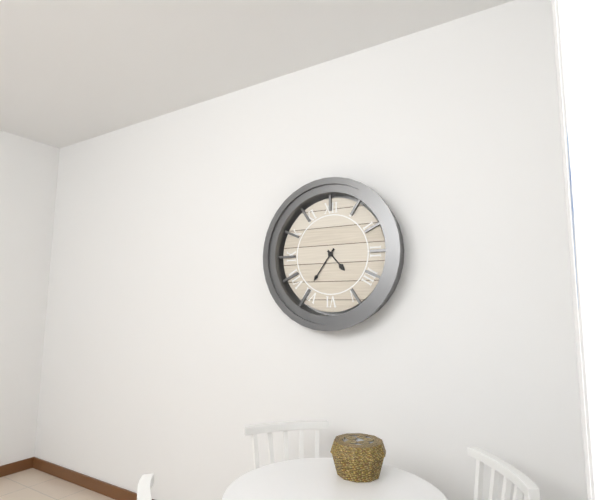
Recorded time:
4h36
